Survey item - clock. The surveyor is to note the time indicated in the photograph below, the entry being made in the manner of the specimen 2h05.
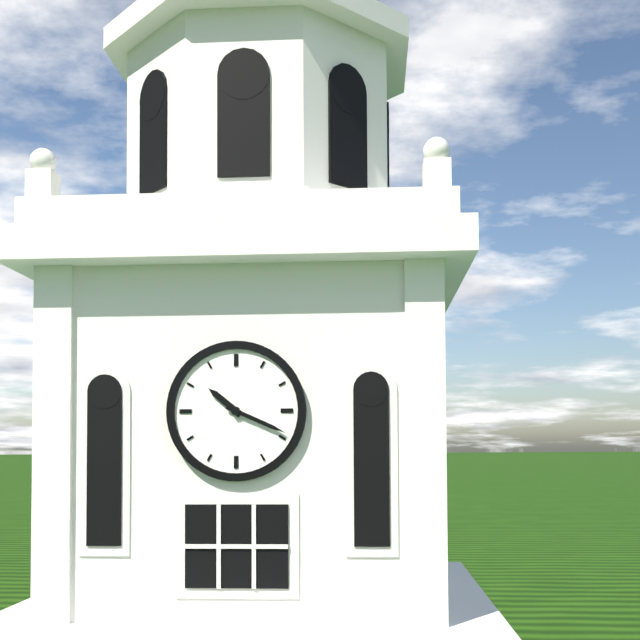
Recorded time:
10h19
